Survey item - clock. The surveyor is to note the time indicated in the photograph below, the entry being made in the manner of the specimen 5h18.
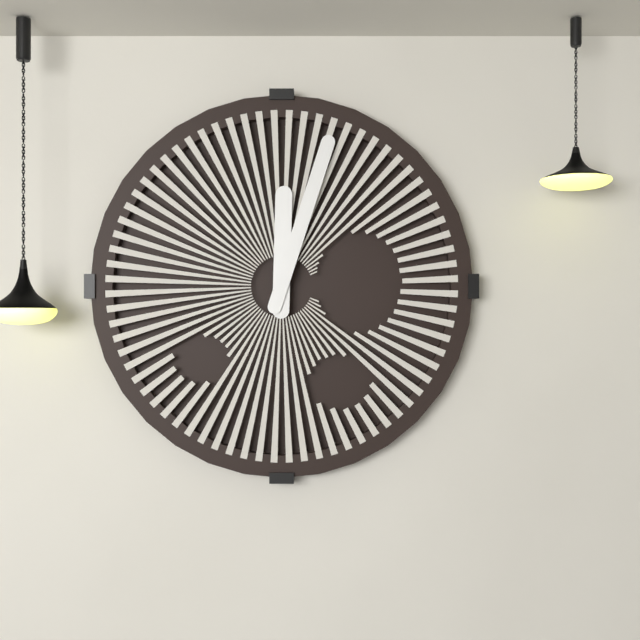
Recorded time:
12h03
